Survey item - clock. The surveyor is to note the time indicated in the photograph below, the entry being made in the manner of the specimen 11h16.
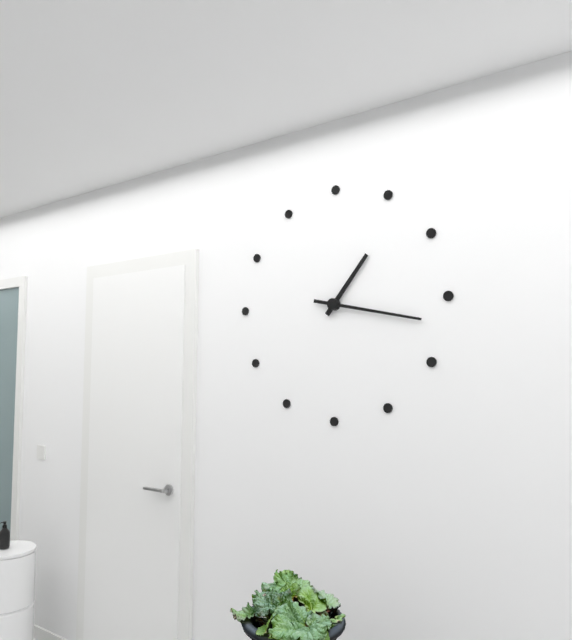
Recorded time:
1h17
